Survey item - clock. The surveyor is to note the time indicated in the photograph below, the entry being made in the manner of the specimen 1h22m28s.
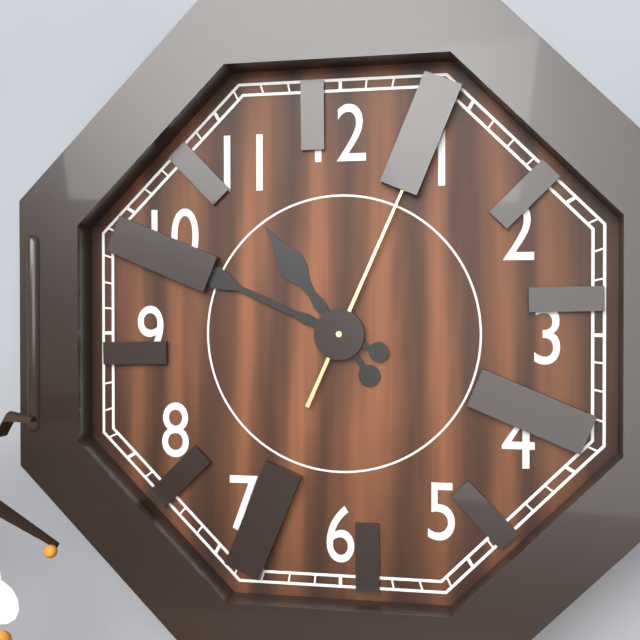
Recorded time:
10h49m04s
